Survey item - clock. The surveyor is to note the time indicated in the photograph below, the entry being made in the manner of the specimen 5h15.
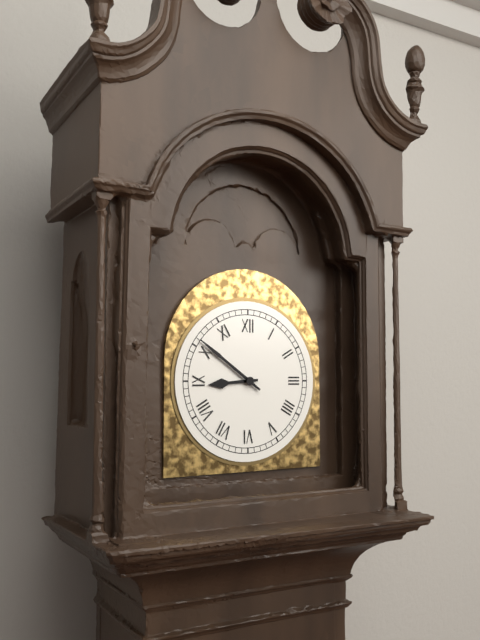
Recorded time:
8h51
